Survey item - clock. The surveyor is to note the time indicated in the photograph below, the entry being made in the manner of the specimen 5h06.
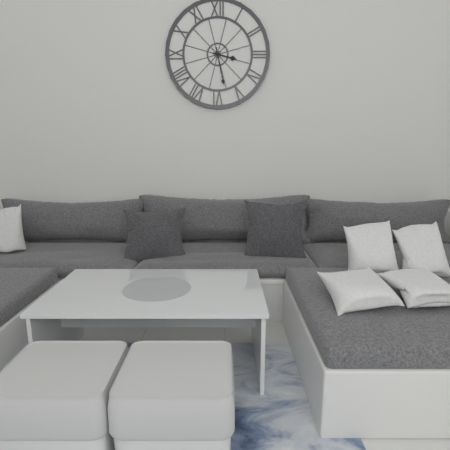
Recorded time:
3h28
